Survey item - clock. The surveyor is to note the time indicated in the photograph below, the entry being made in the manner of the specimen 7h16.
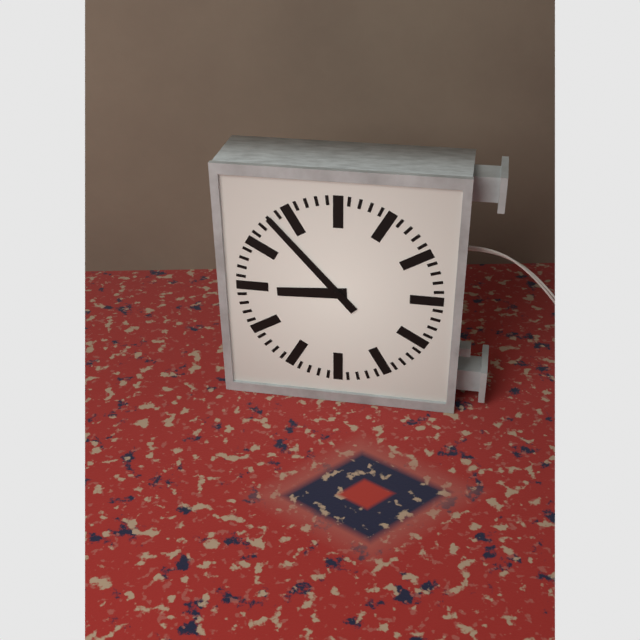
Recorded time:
8h53
